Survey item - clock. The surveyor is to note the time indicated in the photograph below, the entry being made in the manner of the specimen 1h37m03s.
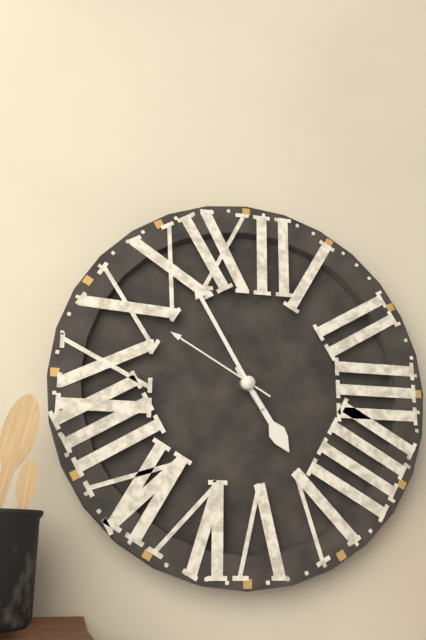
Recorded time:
4h55m50s
